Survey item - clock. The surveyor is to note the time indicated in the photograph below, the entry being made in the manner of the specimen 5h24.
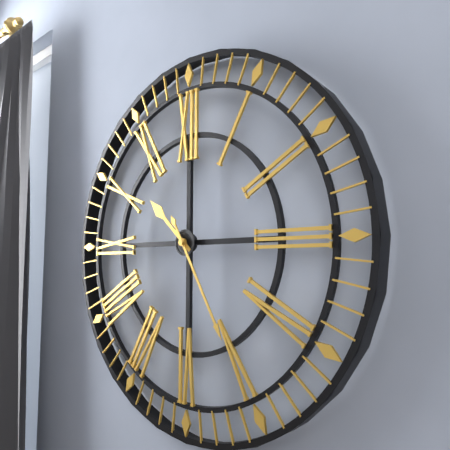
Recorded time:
10h25
